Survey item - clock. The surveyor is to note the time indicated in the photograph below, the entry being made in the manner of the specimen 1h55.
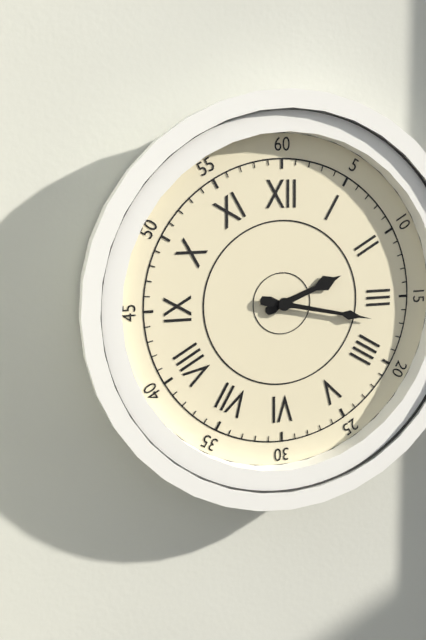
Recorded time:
2h17
